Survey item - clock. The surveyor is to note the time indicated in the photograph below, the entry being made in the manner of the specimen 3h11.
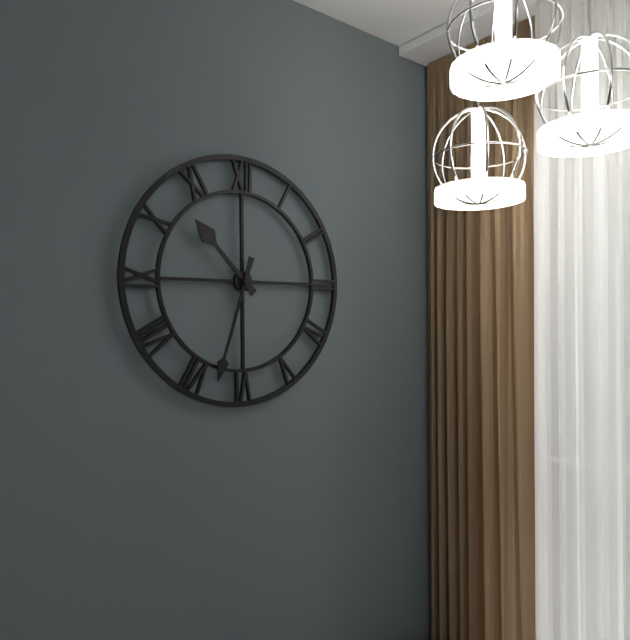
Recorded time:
10h33
